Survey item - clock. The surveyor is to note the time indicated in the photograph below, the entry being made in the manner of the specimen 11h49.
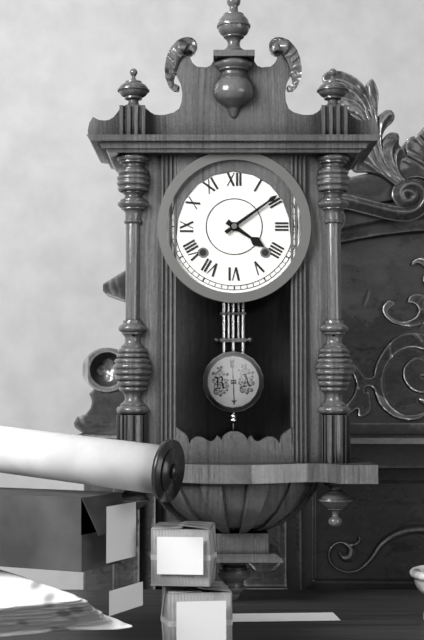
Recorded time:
4h09
